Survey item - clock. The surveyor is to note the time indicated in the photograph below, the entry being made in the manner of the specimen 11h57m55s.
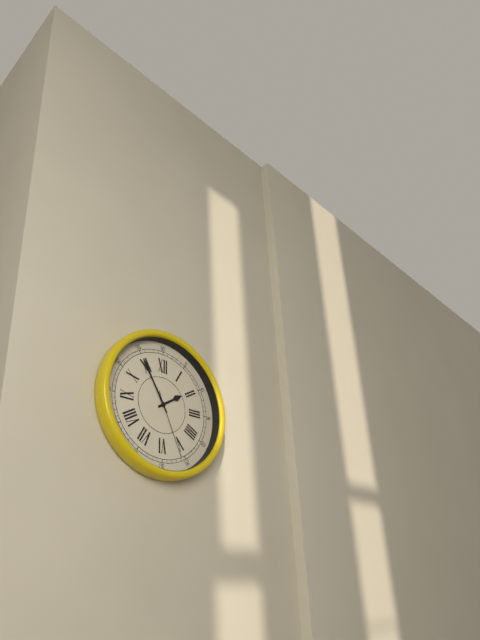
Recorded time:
1h55m26s
